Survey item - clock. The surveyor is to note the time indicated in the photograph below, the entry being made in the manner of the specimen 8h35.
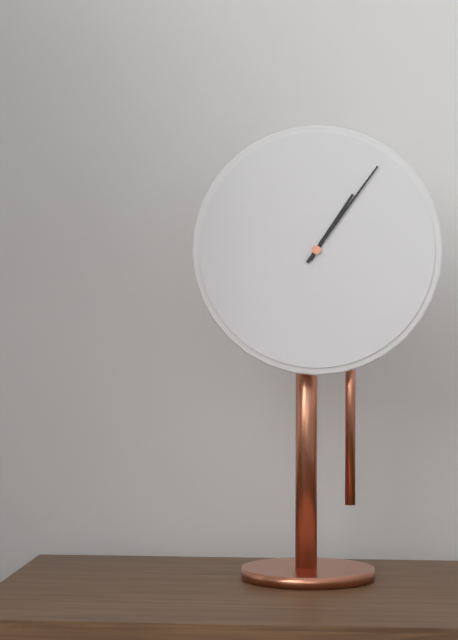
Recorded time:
1h06
